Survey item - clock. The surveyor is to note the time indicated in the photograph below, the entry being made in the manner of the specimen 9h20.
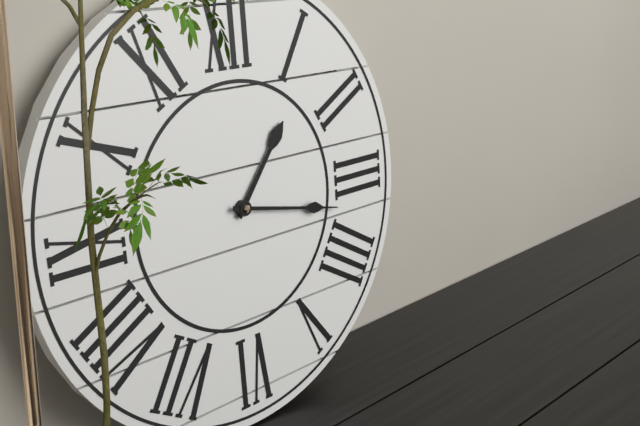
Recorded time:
1h17
